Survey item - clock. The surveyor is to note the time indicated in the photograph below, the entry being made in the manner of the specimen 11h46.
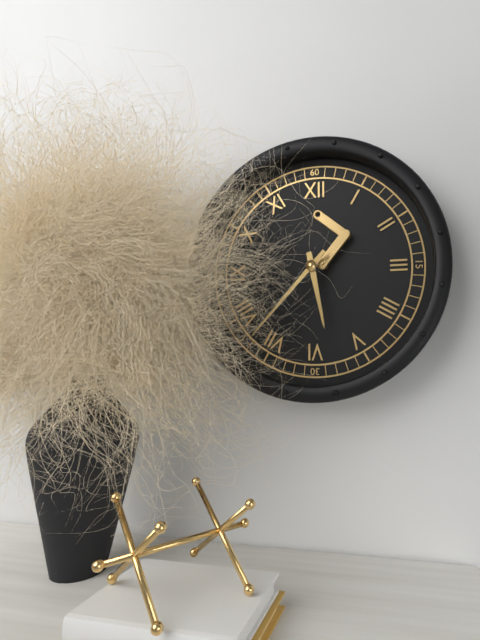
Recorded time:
5h37
